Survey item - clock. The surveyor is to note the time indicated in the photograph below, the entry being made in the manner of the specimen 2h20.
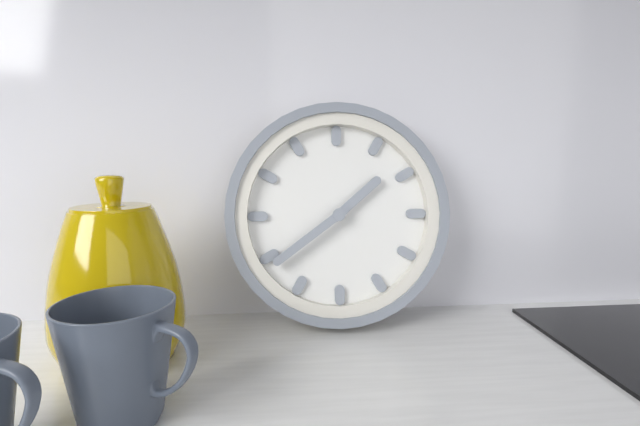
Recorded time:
1h39
